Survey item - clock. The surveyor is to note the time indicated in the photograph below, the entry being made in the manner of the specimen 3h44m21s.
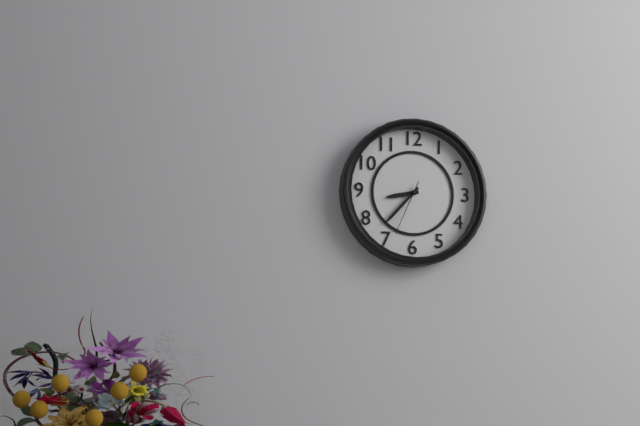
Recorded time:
8h37m34s
